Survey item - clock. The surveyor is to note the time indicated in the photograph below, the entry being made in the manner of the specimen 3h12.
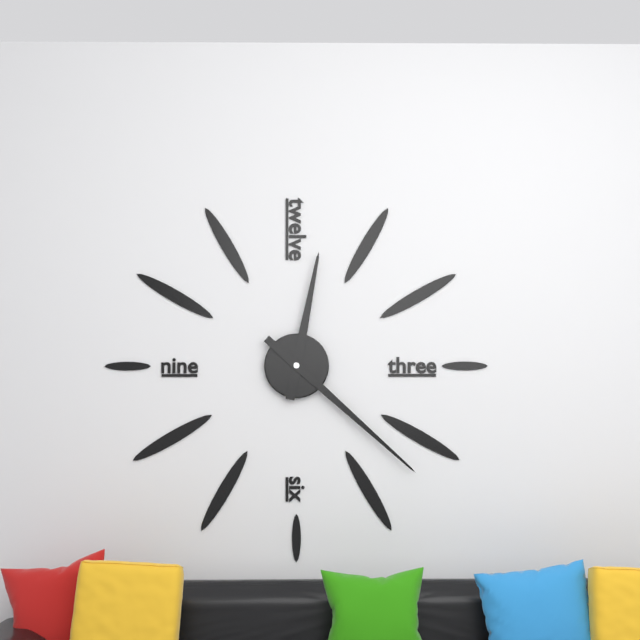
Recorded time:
12h22
